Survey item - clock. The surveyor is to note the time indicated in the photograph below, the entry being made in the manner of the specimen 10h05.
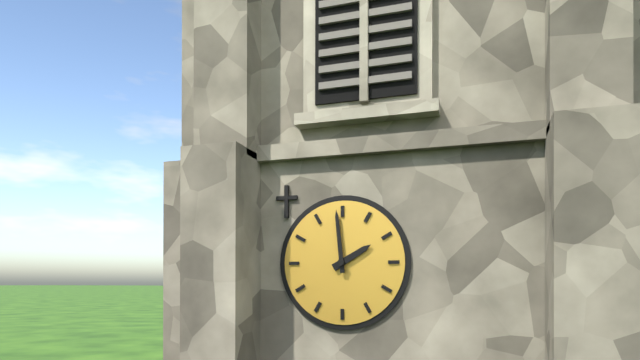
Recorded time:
1h59
